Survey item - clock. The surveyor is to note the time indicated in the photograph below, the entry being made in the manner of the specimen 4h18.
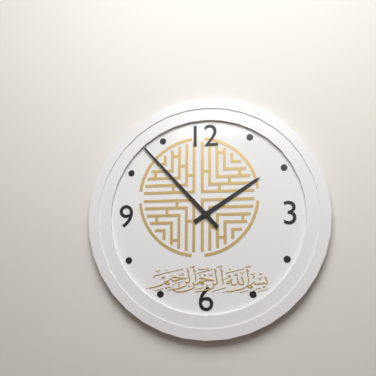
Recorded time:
1h53
